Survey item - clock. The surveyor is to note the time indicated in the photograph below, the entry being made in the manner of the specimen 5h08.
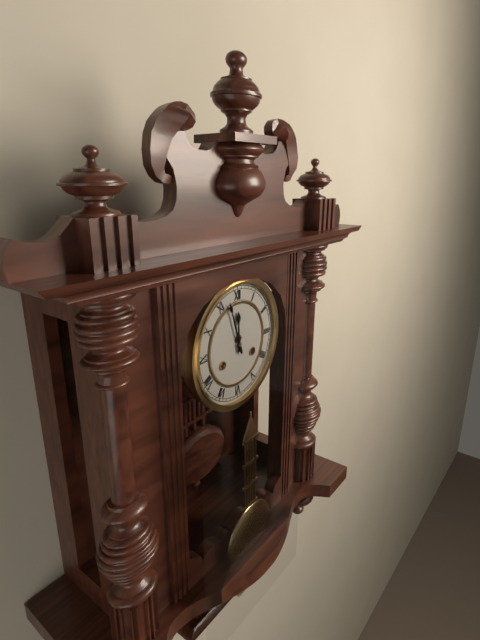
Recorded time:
11h57
